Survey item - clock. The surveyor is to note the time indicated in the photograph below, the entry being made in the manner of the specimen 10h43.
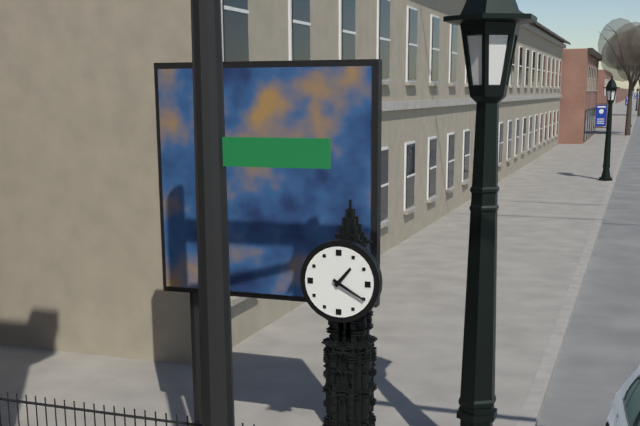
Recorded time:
1h20
